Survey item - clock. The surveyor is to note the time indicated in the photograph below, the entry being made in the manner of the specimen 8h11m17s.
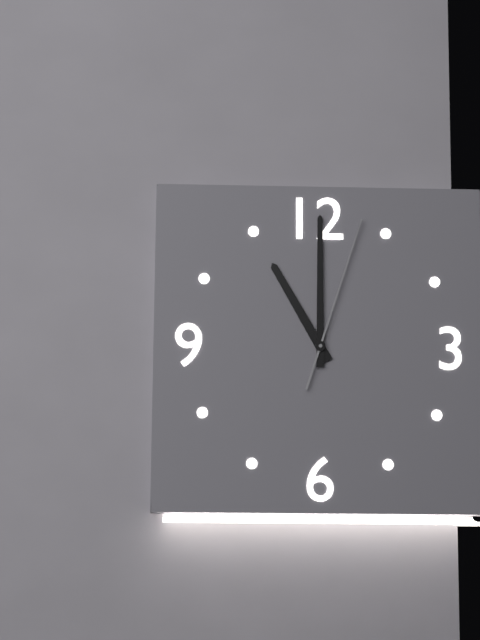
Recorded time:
11h00m03s
